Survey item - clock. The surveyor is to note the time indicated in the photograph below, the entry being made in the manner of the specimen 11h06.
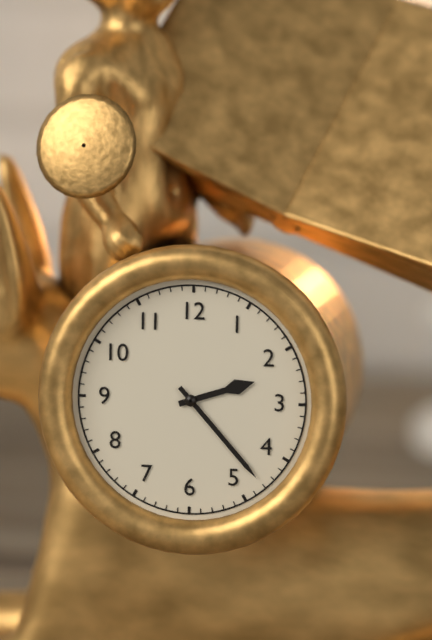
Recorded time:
2h23
